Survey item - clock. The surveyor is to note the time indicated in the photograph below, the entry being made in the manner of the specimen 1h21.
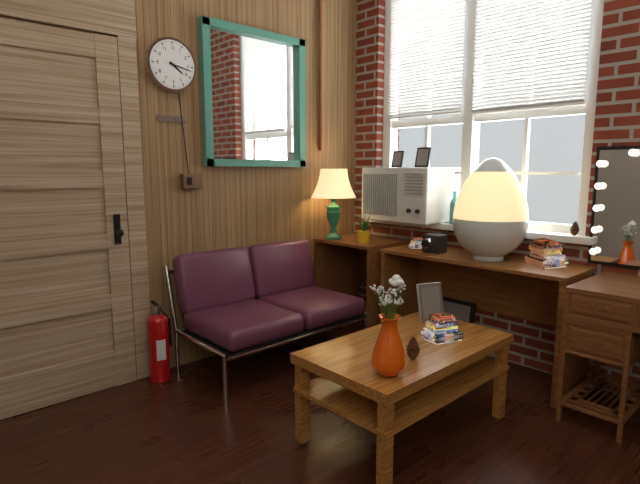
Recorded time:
4h17
